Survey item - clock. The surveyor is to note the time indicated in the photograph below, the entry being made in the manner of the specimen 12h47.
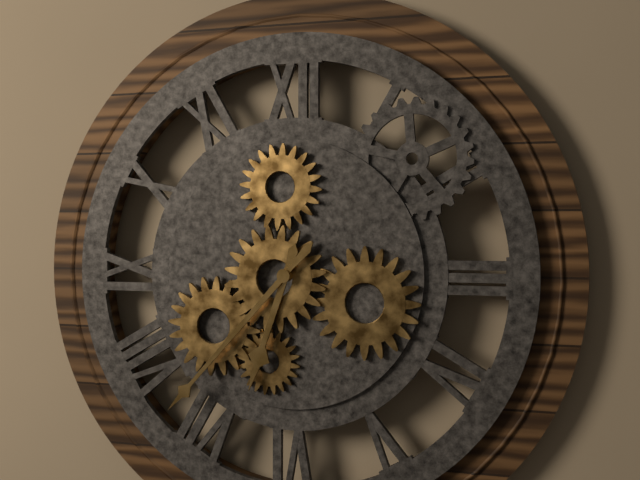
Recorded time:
6h37
